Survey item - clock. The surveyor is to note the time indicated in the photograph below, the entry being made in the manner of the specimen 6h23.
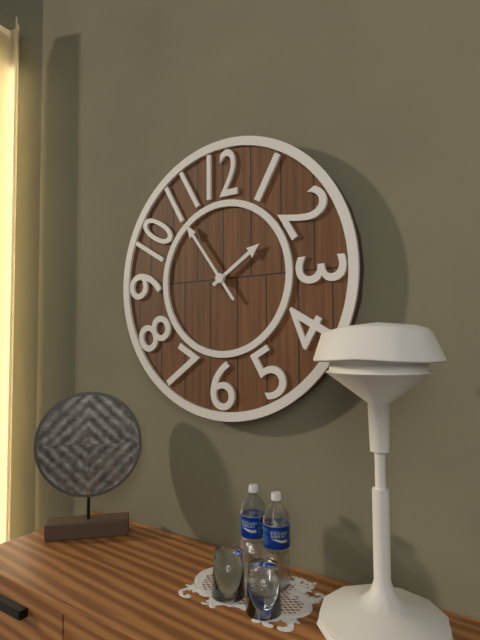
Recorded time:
1h54
